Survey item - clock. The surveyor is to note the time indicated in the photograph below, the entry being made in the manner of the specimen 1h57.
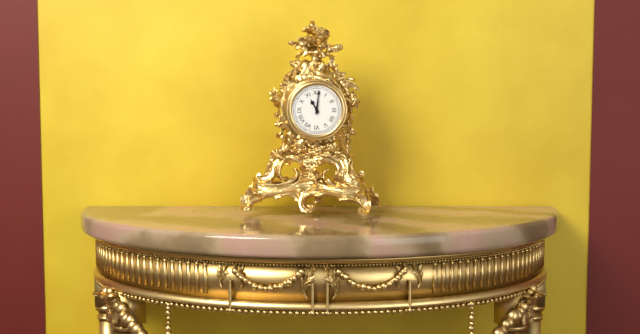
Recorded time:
11h01
